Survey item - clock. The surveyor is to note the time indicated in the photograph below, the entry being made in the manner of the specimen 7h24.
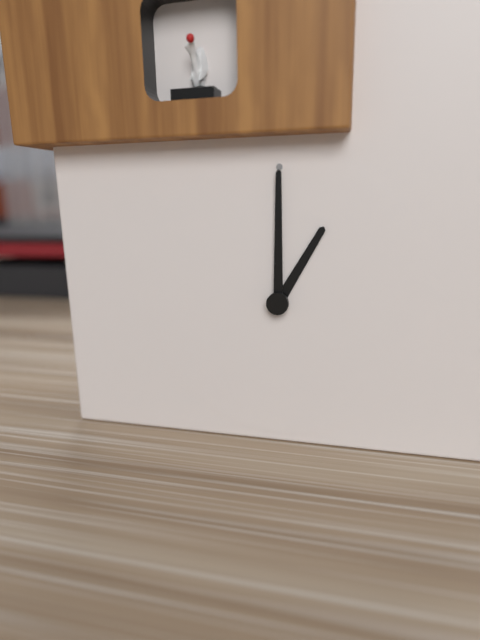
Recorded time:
1h00
